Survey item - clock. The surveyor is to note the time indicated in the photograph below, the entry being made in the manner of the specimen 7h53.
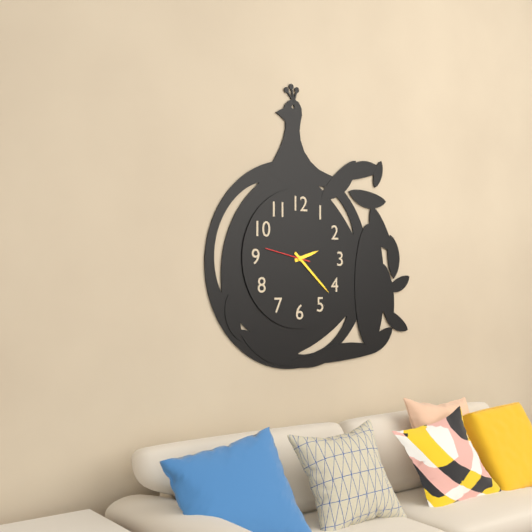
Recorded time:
2h22
